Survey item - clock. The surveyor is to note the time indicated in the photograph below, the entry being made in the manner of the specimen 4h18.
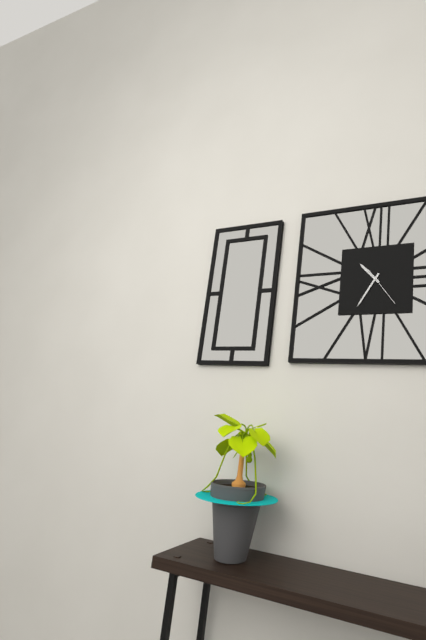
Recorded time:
10h35
